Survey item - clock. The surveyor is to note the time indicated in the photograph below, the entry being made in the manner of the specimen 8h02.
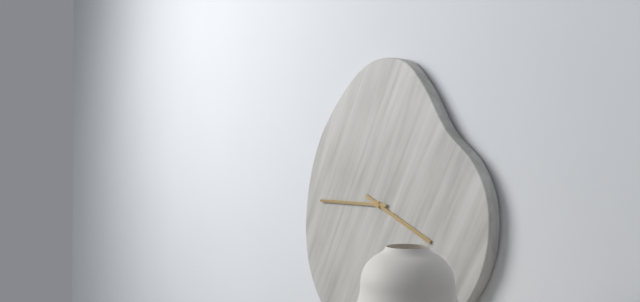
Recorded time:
3h45
